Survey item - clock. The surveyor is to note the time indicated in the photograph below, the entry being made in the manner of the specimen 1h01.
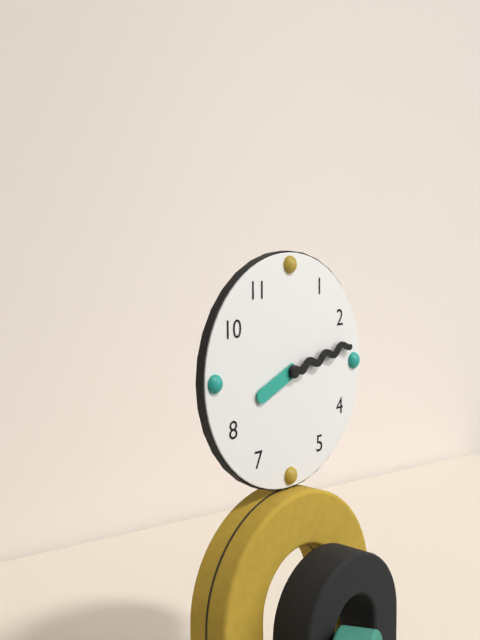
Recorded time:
8h13
